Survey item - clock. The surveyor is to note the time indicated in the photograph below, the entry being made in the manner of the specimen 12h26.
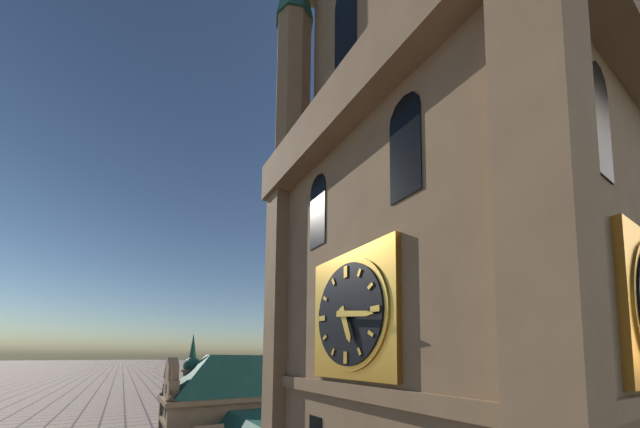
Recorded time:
5h16
